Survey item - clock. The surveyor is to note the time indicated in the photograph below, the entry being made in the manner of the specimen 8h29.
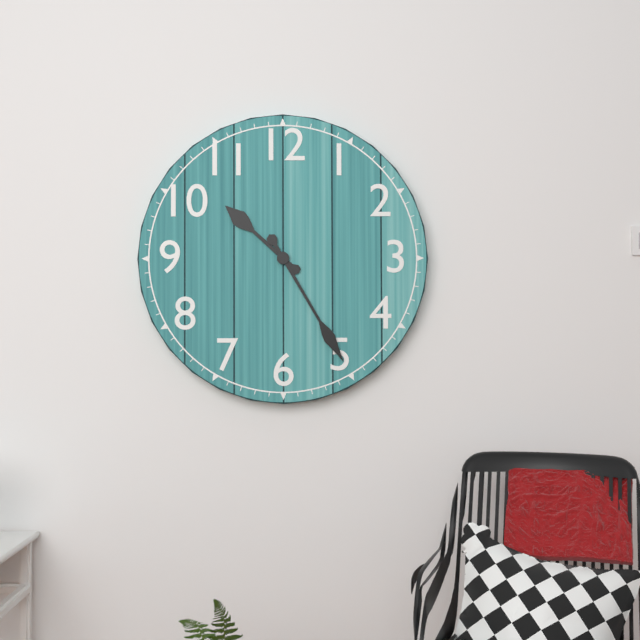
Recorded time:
10h25
